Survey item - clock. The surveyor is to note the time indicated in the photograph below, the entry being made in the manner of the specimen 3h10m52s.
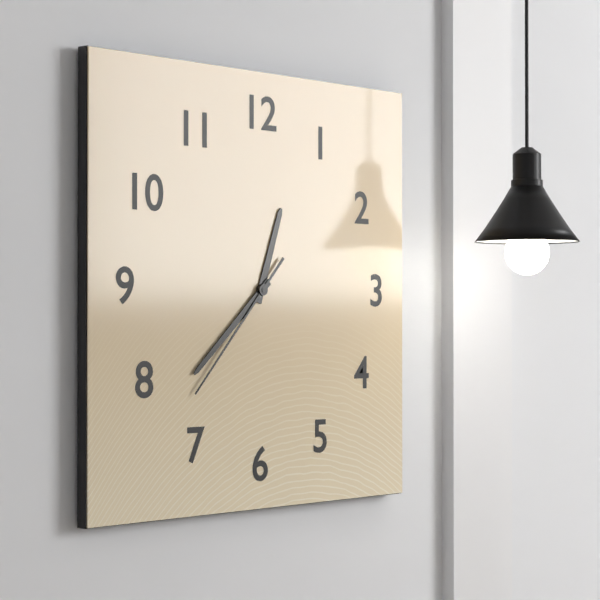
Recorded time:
12h38m37s
